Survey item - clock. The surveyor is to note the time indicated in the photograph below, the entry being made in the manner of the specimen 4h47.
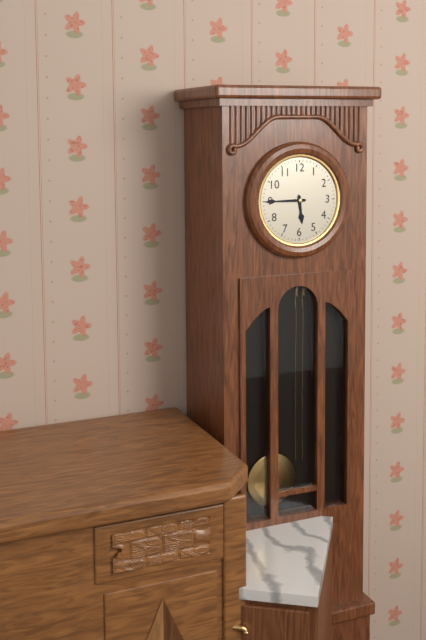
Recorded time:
5h45
